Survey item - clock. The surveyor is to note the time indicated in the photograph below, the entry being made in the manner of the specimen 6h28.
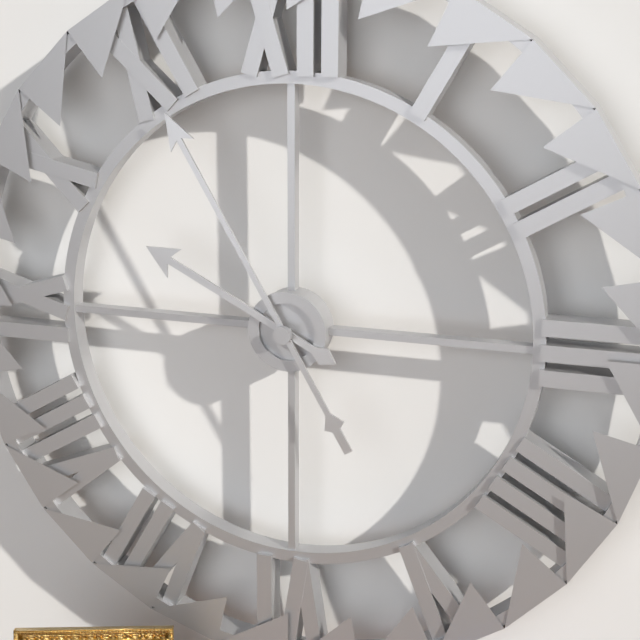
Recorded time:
9h55
